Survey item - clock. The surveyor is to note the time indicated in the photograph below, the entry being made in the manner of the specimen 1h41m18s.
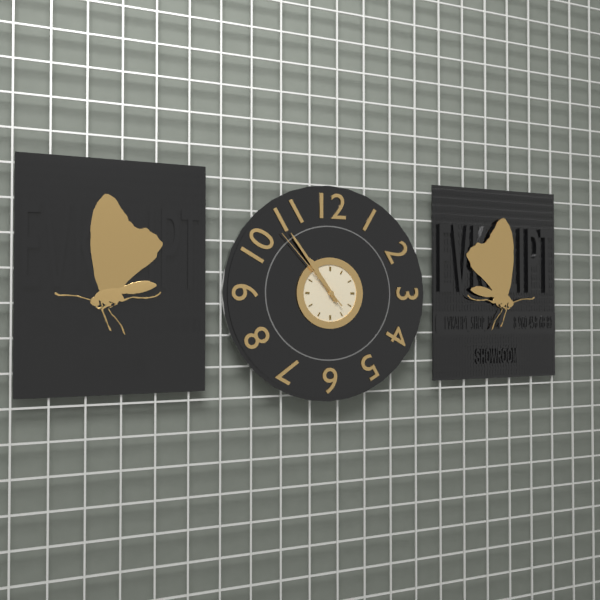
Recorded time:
10h54m53s
